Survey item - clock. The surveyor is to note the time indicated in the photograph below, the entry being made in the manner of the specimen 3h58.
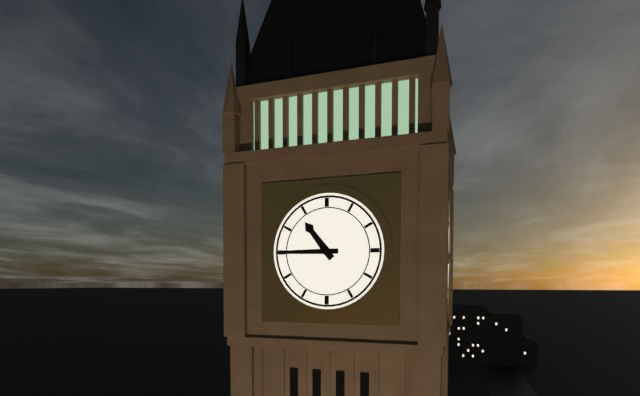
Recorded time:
10h45
